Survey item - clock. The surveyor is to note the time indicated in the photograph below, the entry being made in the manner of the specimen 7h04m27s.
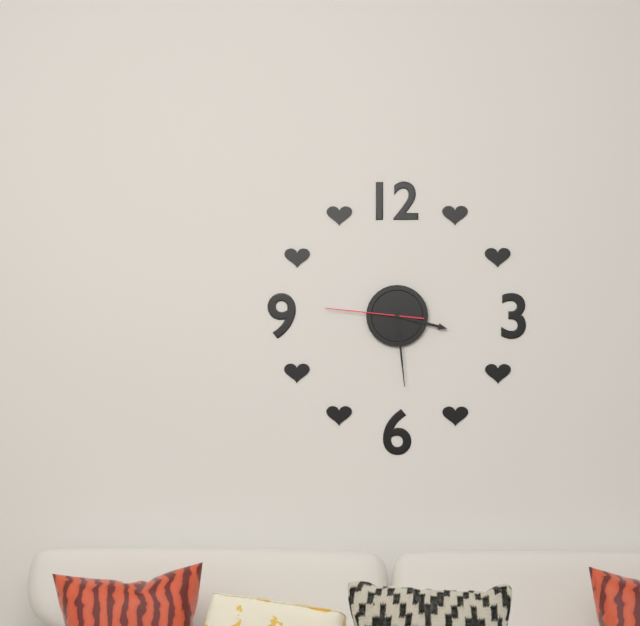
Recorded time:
3h29m46s
